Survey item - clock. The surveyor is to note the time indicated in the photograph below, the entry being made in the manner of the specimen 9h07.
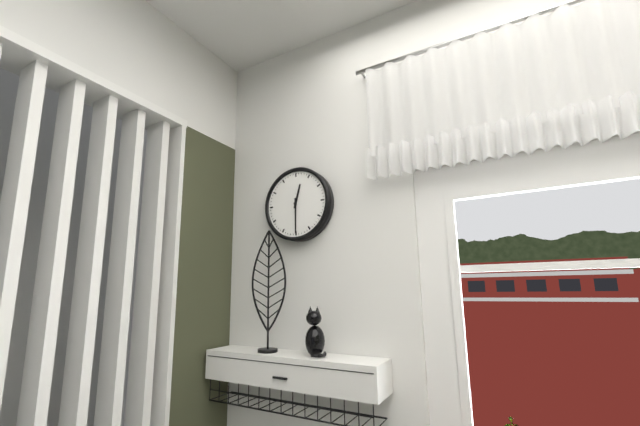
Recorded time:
12h30
